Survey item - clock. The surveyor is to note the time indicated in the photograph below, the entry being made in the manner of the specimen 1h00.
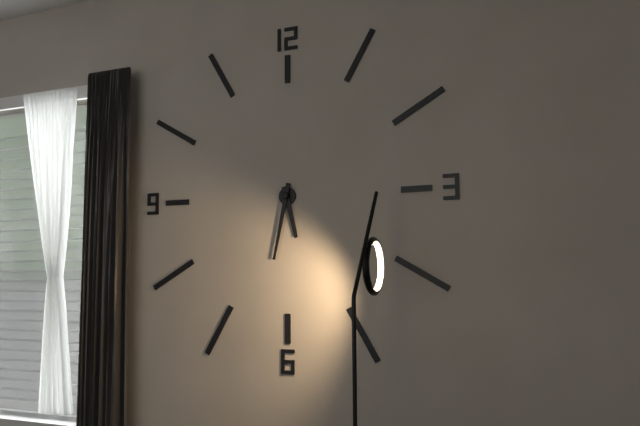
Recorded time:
5h32
